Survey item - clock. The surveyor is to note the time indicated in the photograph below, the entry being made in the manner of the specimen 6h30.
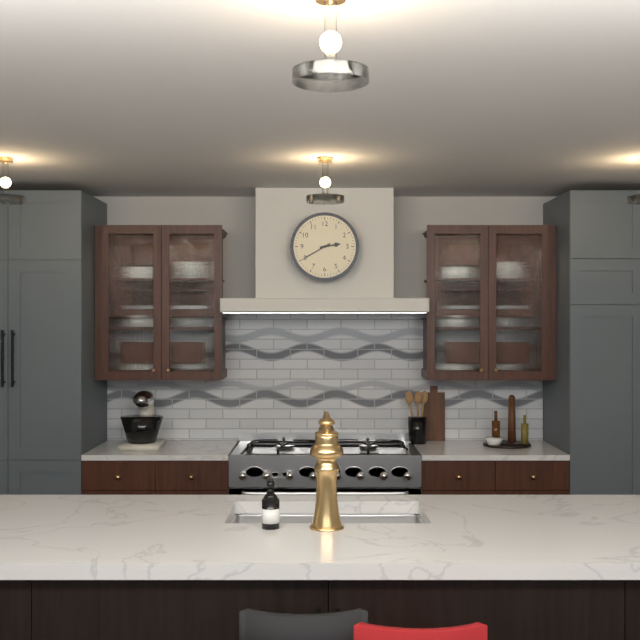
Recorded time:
2h40
